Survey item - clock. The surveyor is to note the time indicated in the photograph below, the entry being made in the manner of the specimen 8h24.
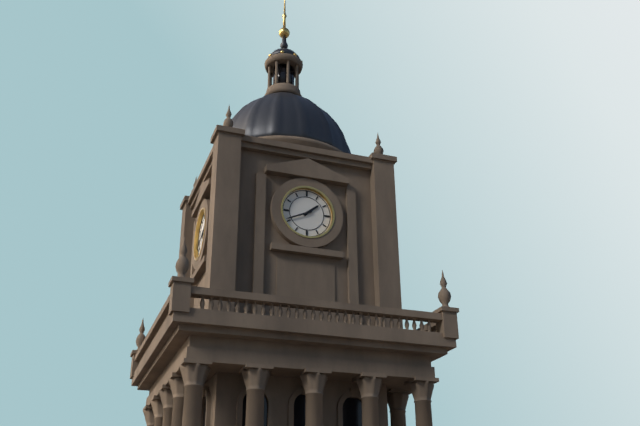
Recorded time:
1h41
